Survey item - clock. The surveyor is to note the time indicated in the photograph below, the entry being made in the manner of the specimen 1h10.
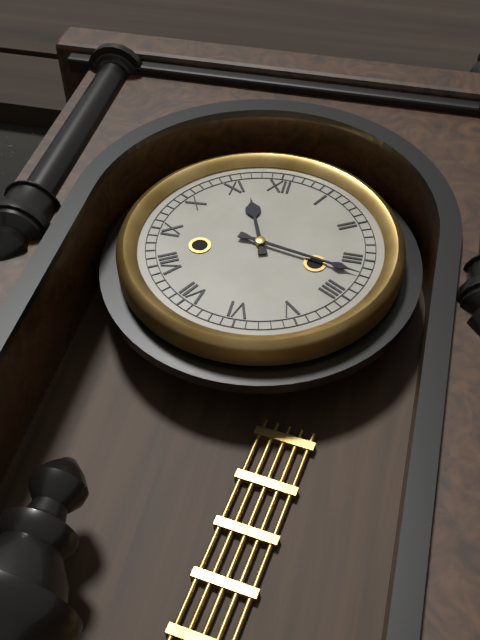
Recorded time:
11h17
